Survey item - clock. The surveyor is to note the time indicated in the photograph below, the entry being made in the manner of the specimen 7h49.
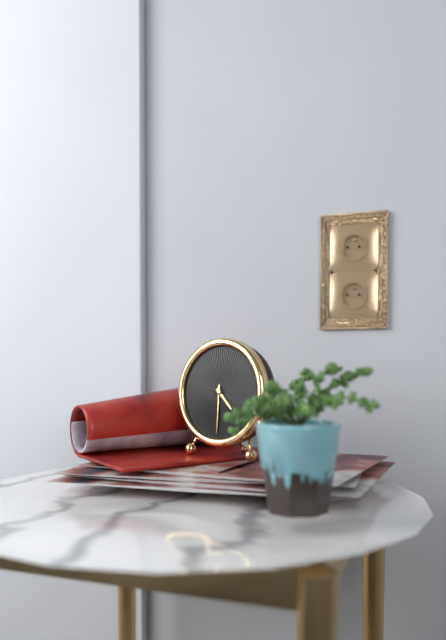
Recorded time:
4h30
